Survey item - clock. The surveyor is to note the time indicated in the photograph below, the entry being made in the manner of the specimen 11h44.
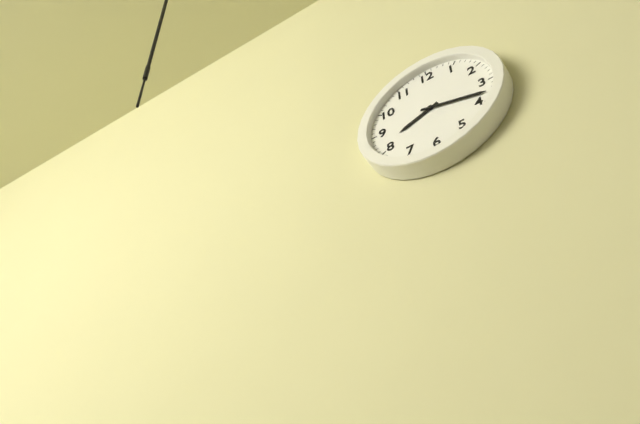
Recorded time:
8h18
